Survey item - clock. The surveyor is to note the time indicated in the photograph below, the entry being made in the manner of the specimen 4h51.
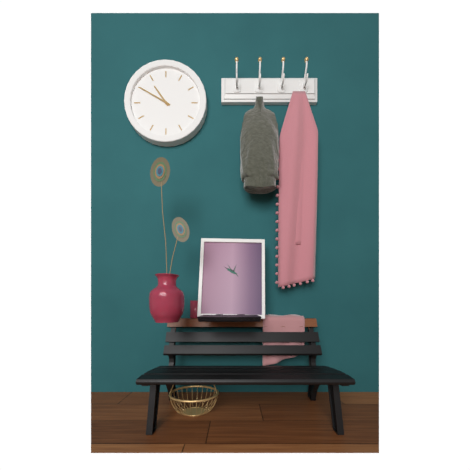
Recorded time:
10h50
